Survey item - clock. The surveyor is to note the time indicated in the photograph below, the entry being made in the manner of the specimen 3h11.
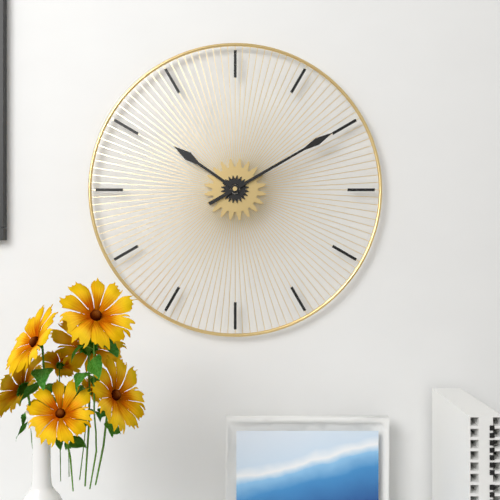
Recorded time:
10h10
